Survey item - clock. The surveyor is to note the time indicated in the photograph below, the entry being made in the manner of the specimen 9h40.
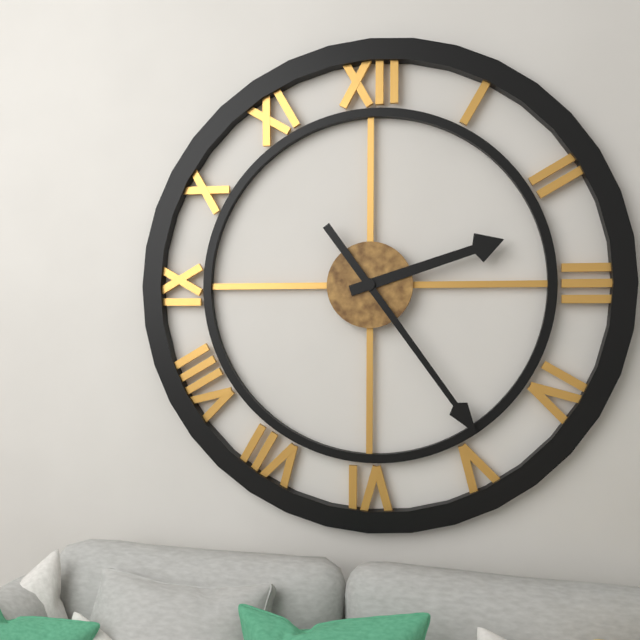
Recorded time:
2h24
